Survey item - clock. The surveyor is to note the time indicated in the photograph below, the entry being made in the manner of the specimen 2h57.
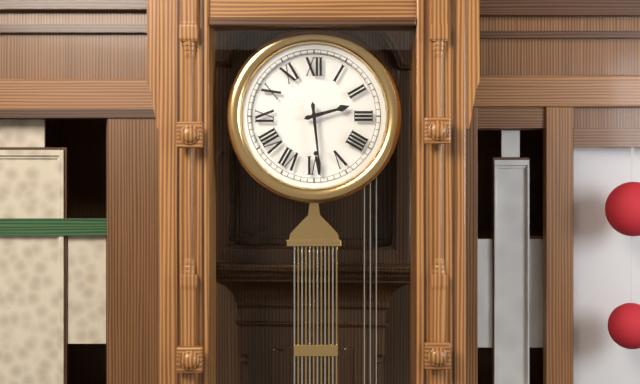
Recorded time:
2h29
